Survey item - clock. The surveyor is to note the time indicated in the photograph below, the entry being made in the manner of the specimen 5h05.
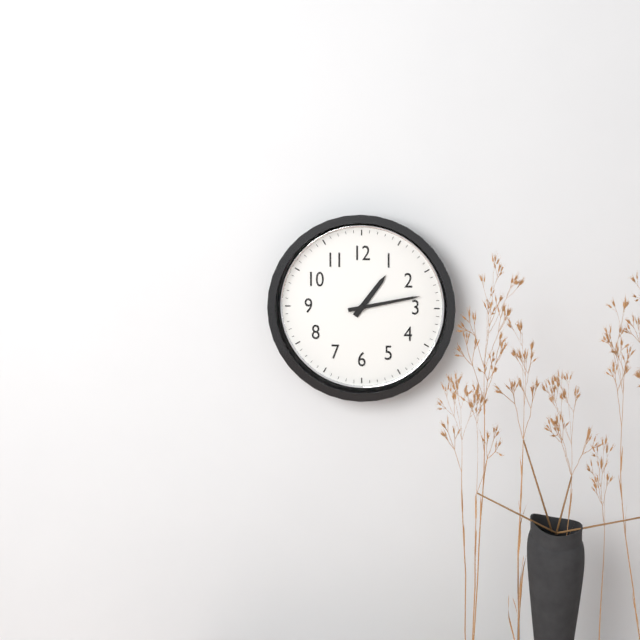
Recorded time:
1h13
